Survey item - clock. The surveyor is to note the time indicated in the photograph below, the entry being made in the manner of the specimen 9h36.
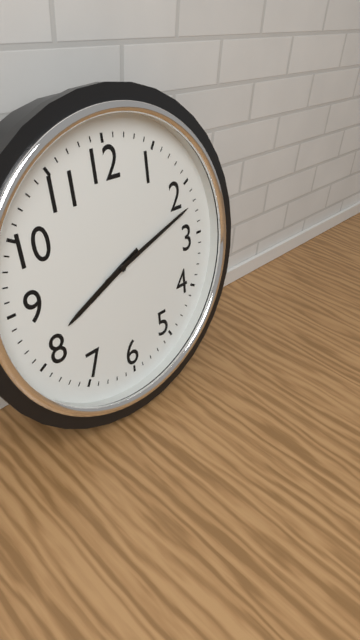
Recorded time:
8h12
